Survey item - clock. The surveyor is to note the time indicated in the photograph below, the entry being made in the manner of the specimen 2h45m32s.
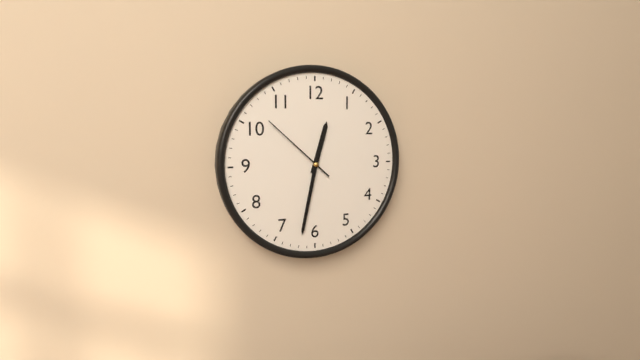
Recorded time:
12h32m52s
